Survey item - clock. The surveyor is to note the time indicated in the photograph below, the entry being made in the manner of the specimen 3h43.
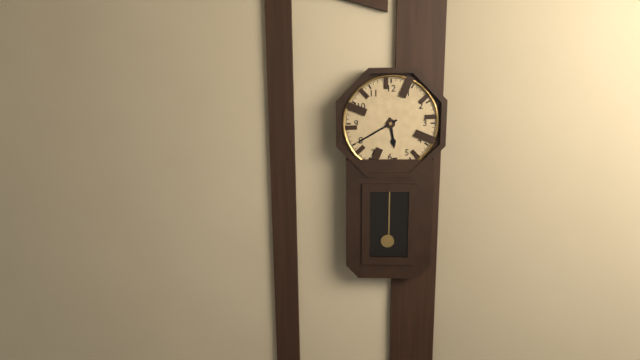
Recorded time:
5h40
